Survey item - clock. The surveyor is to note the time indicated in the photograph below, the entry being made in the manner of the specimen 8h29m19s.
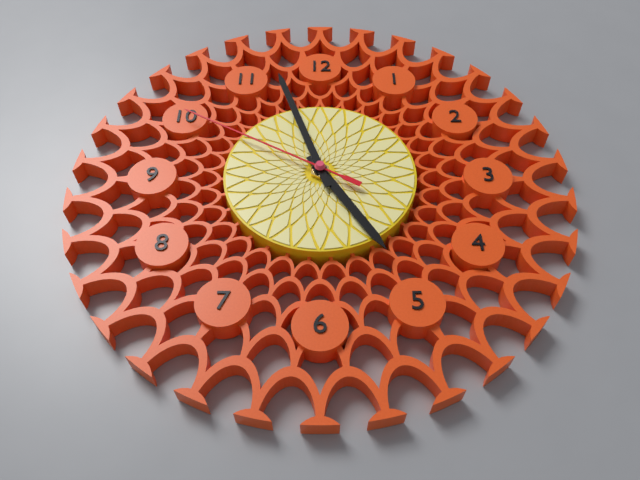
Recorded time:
4h57m50s
